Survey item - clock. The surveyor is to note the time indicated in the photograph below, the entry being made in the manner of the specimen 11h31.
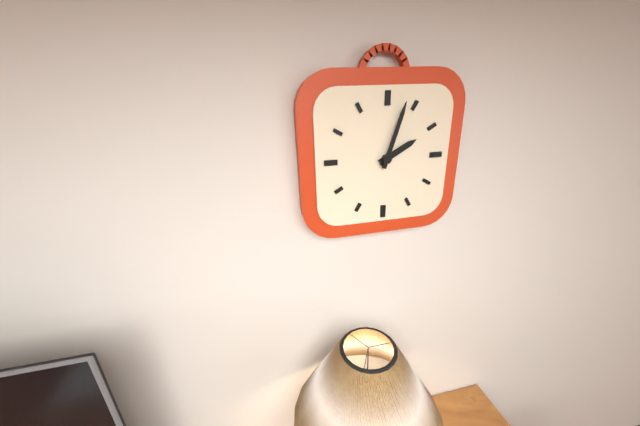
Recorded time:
2h03
